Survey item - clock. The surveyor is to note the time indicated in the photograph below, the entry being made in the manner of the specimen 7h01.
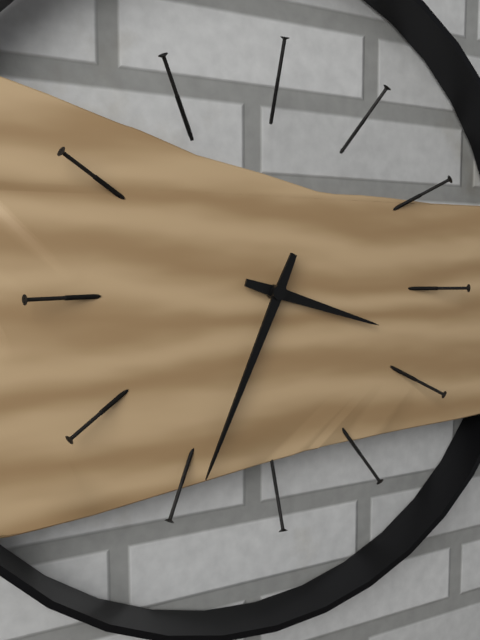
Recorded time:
3h34
